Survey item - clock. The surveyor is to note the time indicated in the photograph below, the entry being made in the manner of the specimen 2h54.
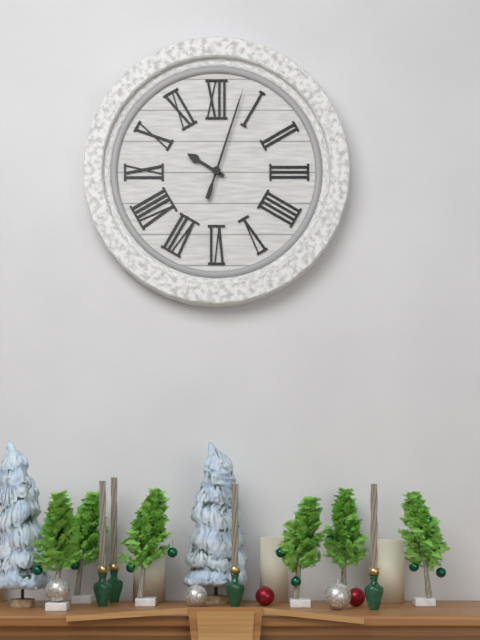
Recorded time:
10h03
